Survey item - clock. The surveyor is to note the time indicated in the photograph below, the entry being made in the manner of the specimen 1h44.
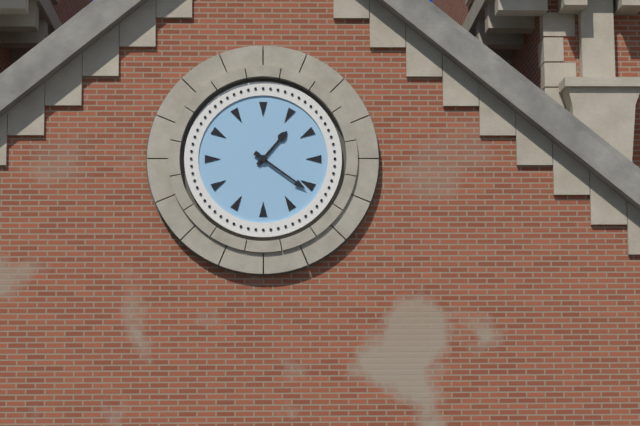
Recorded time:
1h21
